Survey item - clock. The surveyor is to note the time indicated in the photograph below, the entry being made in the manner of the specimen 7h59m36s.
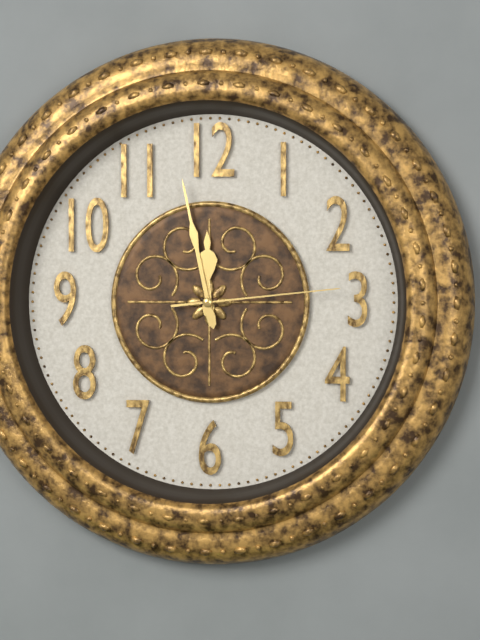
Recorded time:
11h58m14s
